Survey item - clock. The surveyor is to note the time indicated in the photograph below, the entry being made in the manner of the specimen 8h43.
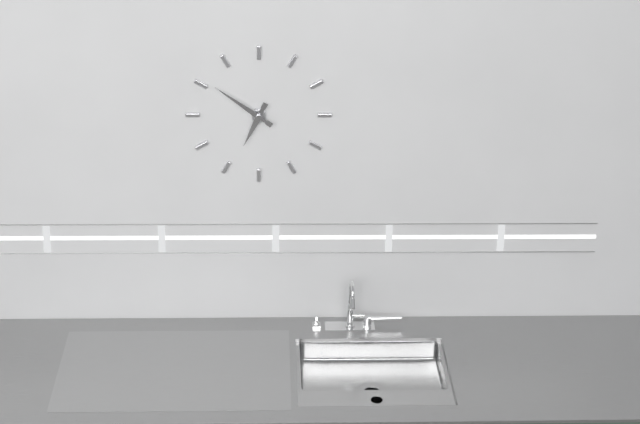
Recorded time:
6h51
